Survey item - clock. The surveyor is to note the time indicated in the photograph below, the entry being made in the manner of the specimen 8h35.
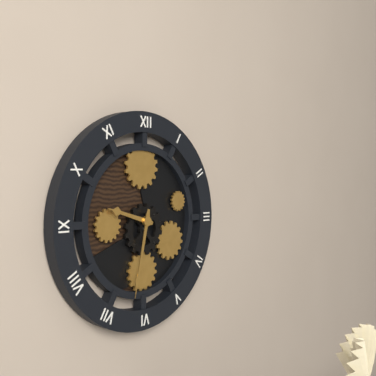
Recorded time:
9h32
